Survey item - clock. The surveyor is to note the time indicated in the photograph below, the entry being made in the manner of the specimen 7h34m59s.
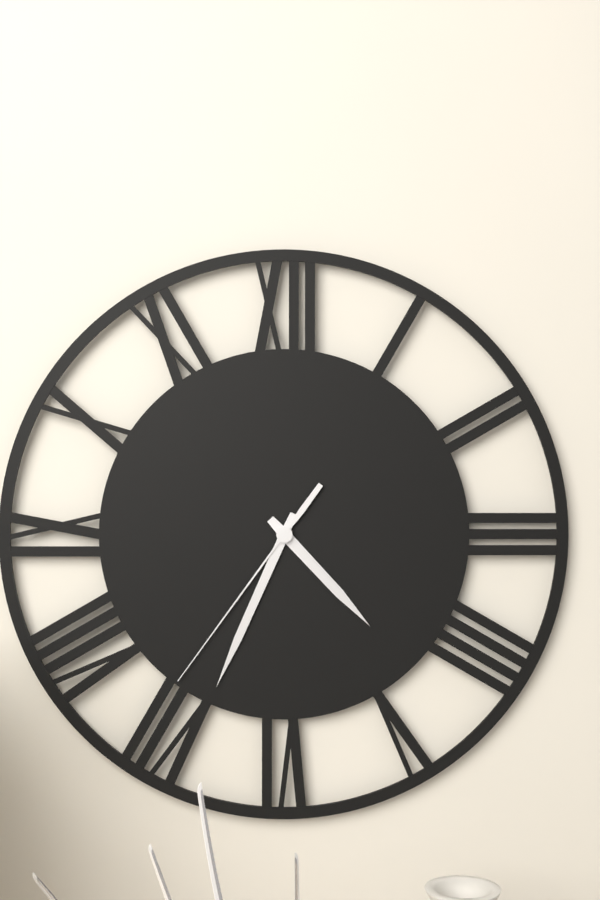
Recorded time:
4h34m36s
